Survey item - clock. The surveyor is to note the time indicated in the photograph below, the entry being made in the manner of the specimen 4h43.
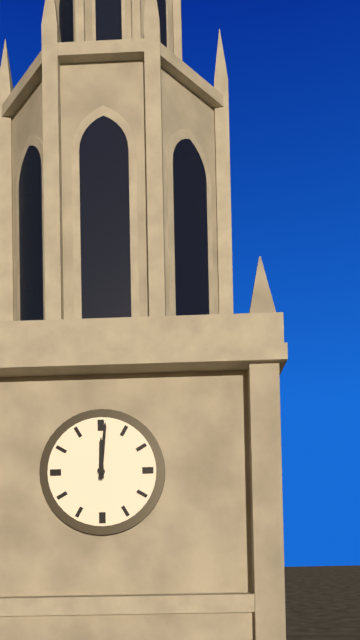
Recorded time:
12h01
